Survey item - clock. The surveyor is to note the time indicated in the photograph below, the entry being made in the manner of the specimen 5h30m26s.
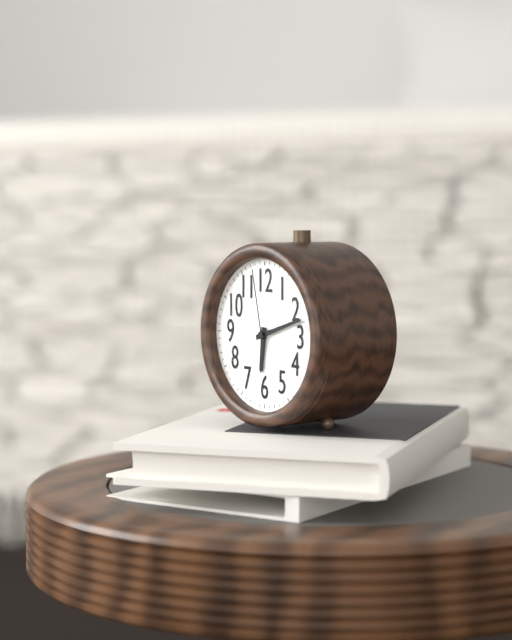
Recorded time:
6h12m58s
